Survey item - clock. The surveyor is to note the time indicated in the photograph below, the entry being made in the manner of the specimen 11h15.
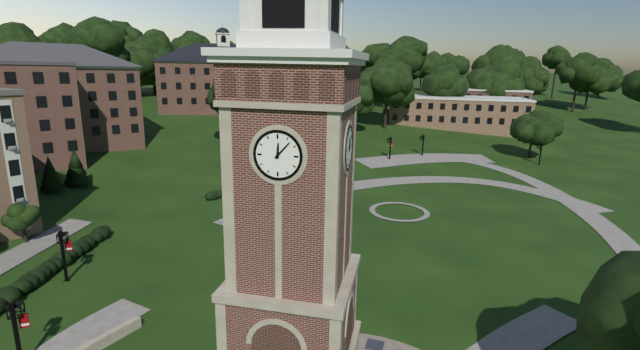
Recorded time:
12h07
